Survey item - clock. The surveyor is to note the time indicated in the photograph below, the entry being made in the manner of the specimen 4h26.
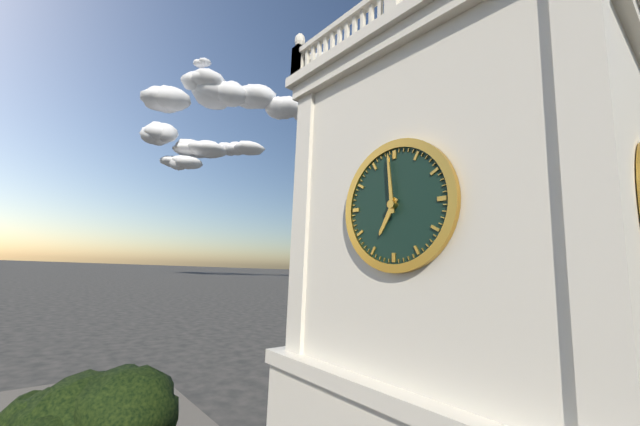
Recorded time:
6h59
